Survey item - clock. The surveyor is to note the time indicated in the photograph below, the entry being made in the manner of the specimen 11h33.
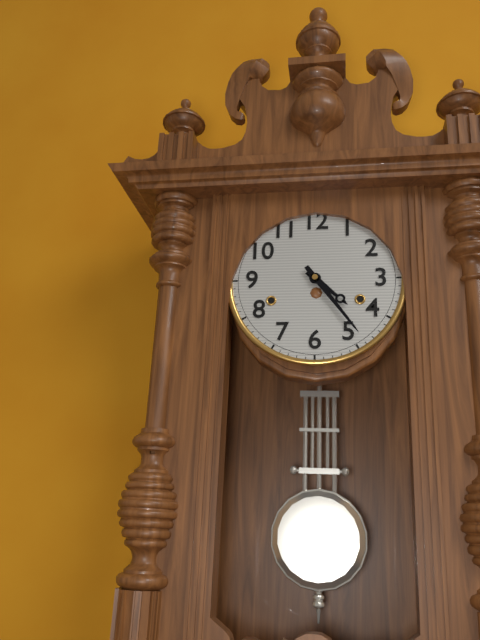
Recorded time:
4h24
